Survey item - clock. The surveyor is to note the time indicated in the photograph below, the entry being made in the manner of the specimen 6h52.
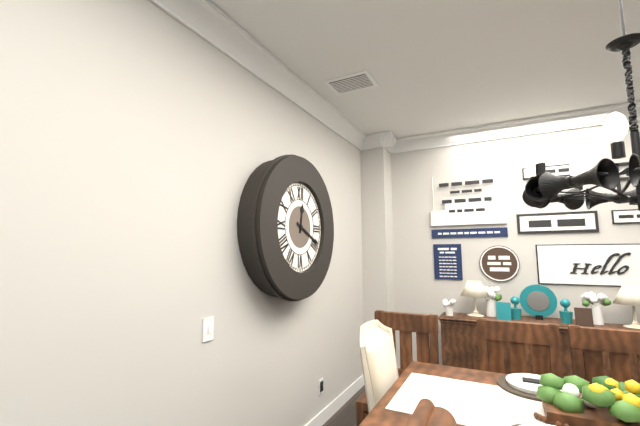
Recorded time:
12h19
